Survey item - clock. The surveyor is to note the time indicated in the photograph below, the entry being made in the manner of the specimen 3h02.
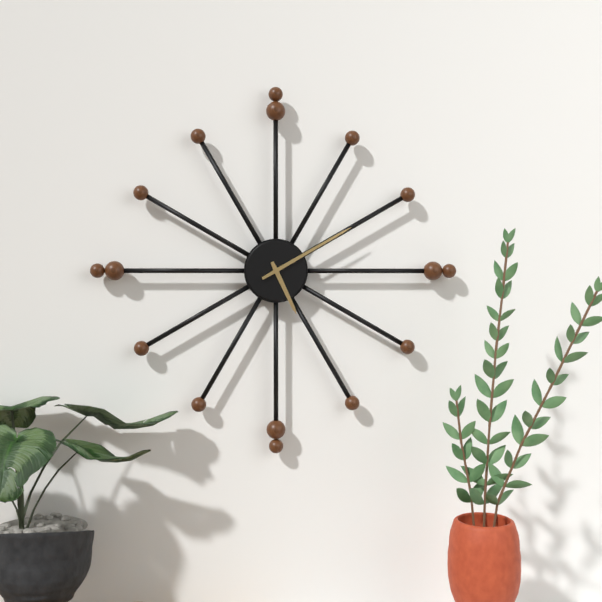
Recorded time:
5h10
